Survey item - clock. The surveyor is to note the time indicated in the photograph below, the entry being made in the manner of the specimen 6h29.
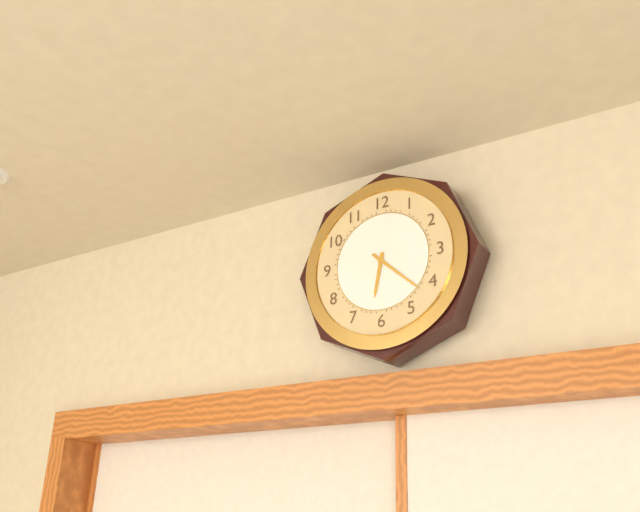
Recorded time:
6h22
